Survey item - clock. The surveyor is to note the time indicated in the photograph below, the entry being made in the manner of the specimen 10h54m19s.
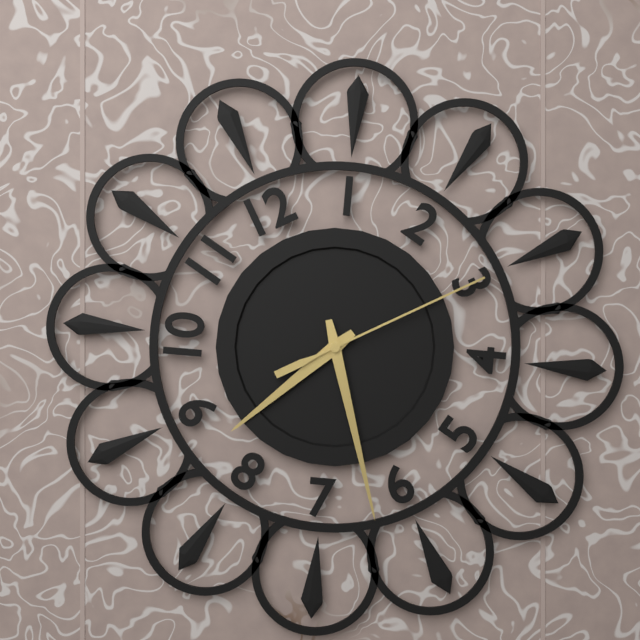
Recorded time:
8h32m15s
